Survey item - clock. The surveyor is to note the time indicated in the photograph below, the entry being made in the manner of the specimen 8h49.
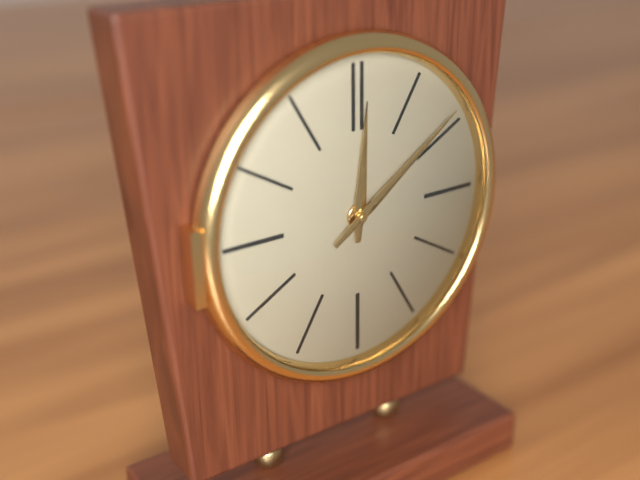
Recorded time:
12h09
